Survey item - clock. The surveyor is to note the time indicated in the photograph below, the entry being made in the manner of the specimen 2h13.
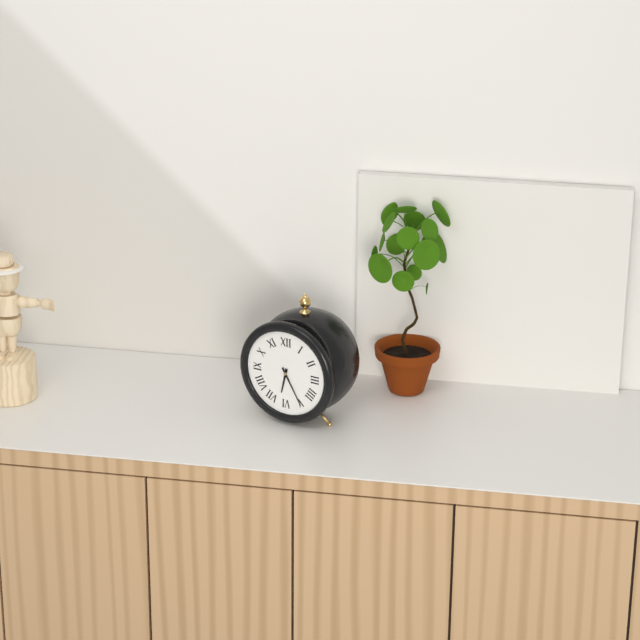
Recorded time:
6h25
